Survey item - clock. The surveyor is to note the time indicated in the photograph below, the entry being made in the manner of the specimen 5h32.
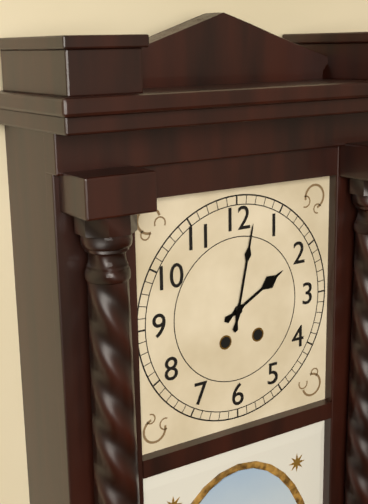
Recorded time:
2h02
